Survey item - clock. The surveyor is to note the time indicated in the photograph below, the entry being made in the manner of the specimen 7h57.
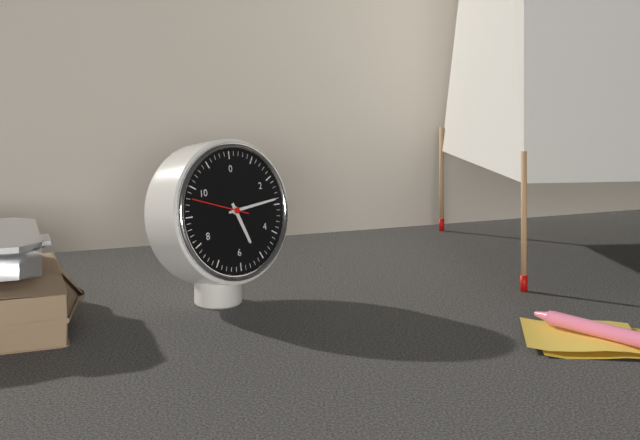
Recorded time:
5h14
